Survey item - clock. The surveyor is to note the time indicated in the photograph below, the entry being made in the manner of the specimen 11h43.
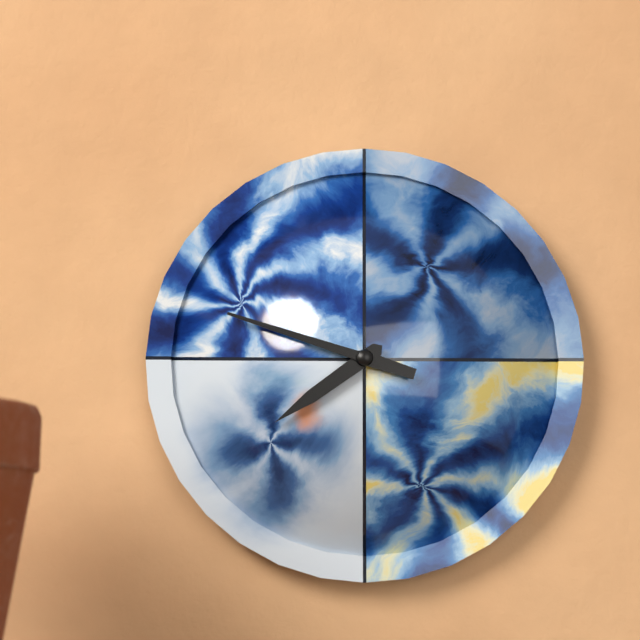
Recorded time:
7h48
